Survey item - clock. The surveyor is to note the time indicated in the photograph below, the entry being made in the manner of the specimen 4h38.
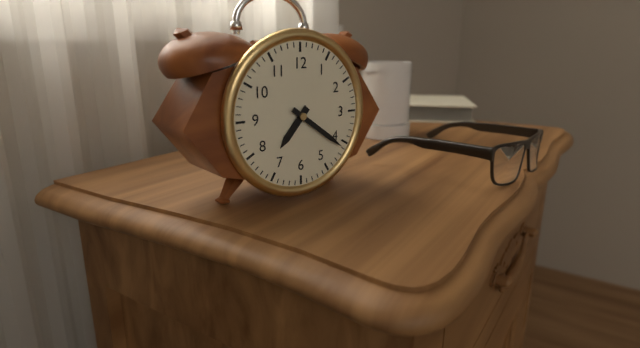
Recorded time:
7h21
